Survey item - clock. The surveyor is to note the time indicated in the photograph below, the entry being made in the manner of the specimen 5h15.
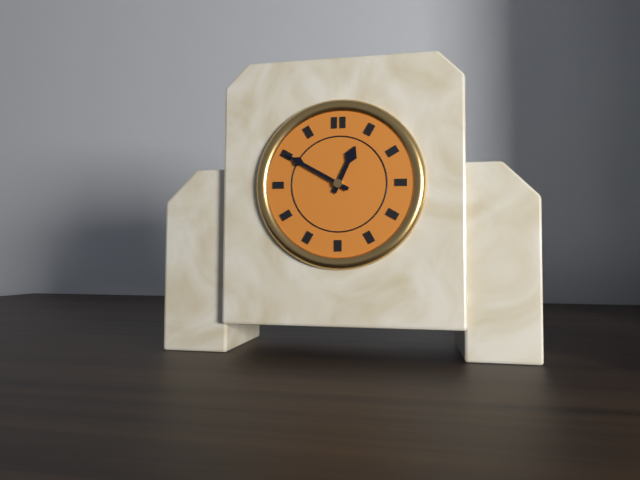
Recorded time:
12h50
